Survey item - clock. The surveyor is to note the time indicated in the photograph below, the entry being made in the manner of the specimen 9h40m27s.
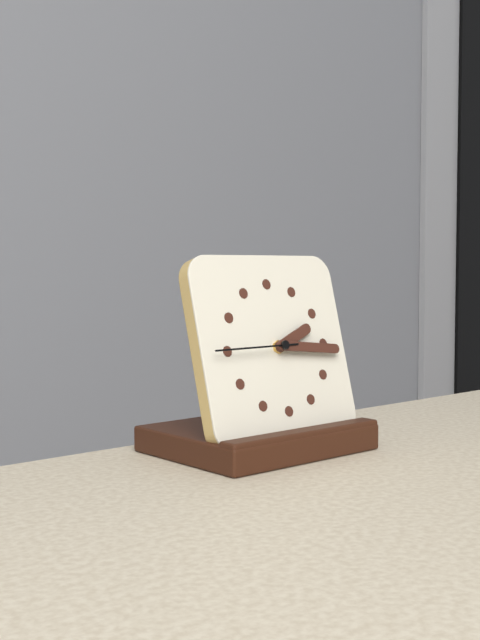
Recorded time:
2h16m45s
